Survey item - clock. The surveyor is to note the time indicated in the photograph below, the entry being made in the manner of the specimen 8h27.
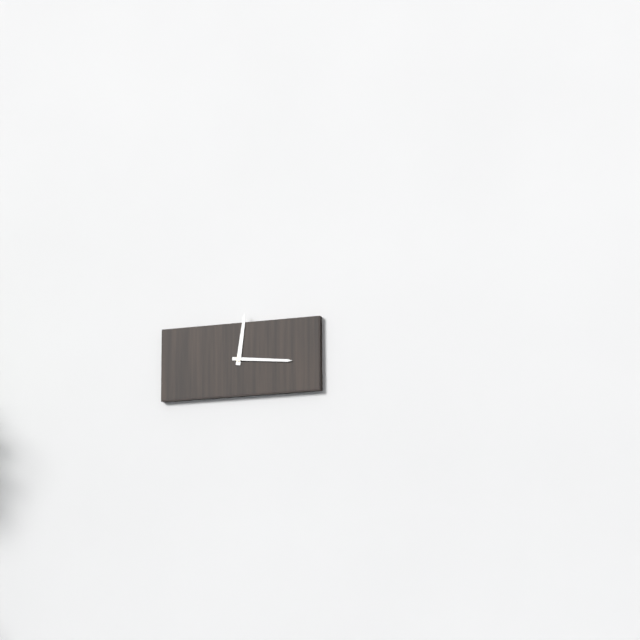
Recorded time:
12h16
